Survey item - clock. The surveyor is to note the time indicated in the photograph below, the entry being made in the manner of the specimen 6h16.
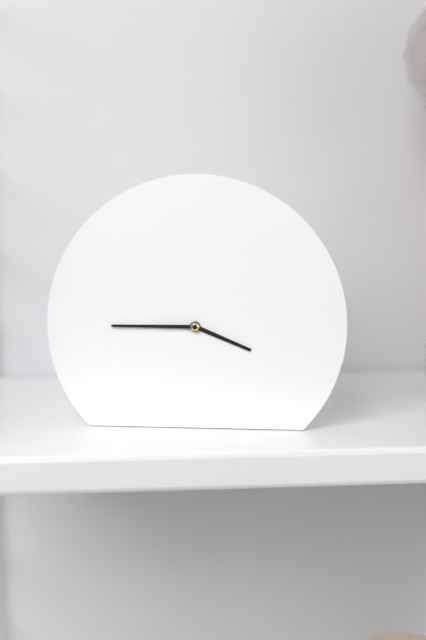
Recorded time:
3h45
